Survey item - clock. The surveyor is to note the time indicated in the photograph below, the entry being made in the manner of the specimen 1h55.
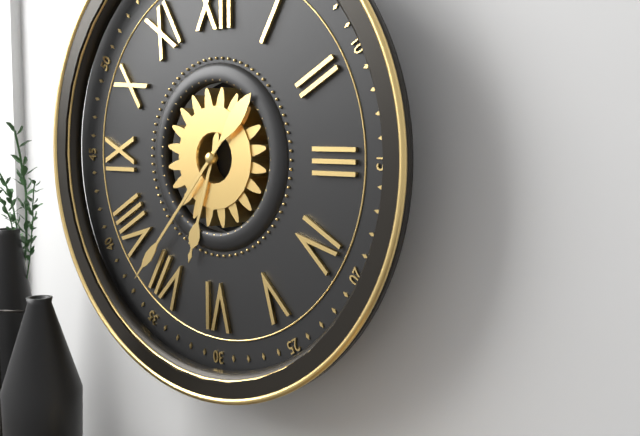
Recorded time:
6h37
